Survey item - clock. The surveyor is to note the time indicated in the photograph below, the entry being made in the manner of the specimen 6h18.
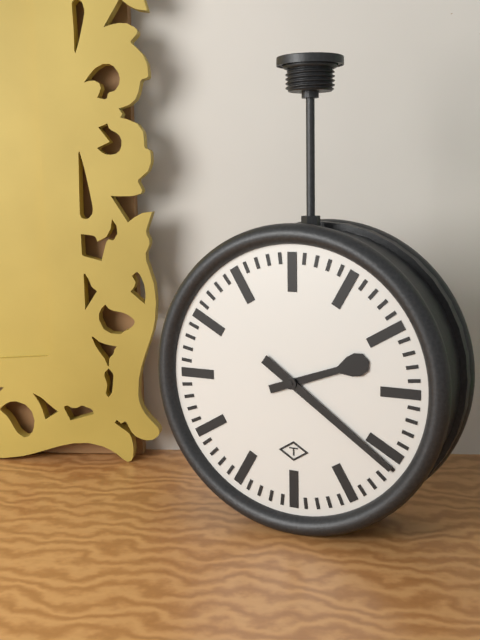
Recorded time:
2h21
